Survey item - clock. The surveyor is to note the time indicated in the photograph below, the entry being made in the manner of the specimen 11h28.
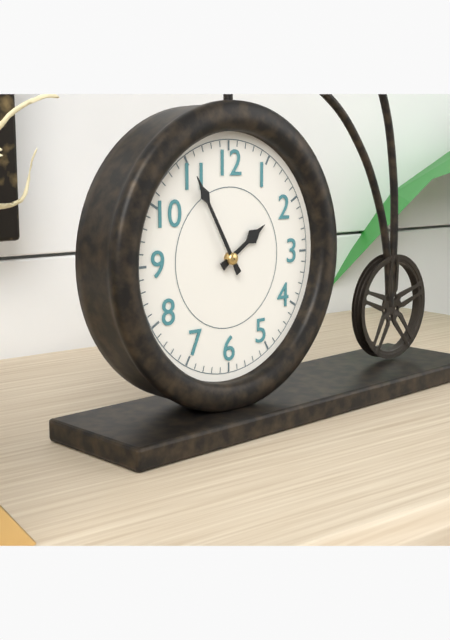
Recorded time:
1h55
